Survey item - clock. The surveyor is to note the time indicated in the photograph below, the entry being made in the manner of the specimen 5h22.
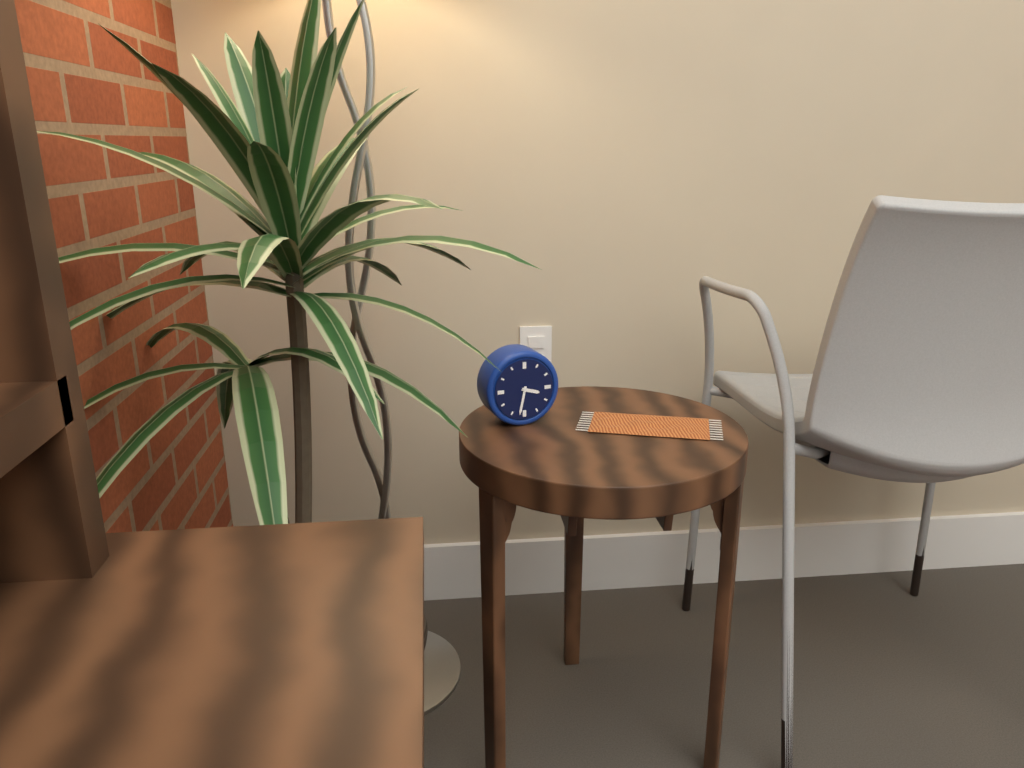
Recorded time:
3h32
